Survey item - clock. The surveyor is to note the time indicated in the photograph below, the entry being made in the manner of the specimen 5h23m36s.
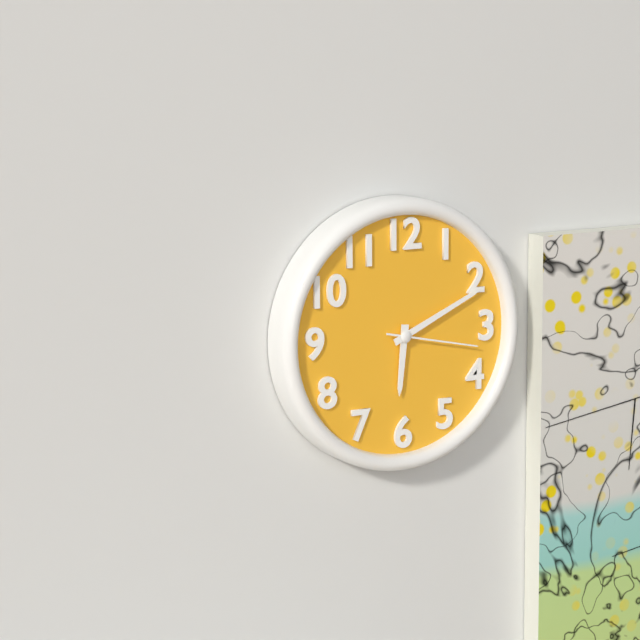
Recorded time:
6h11m17s
